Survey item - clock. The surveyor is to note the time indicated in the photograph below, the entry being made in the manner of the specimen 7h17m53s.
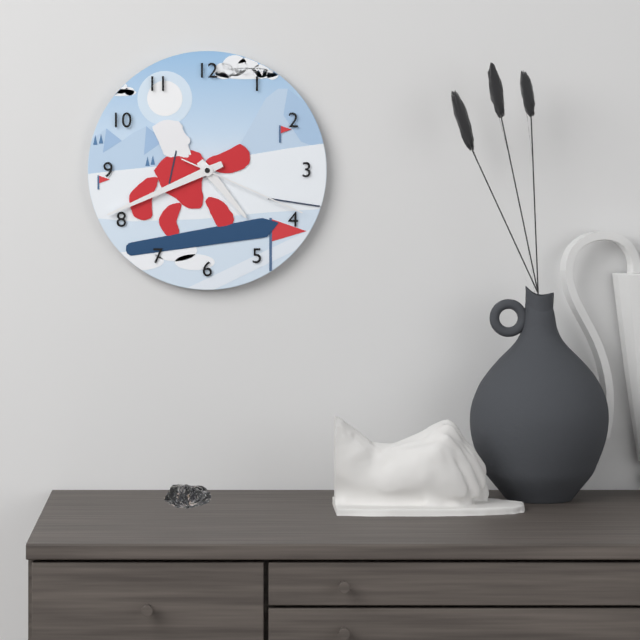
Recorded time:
4h41m19s
